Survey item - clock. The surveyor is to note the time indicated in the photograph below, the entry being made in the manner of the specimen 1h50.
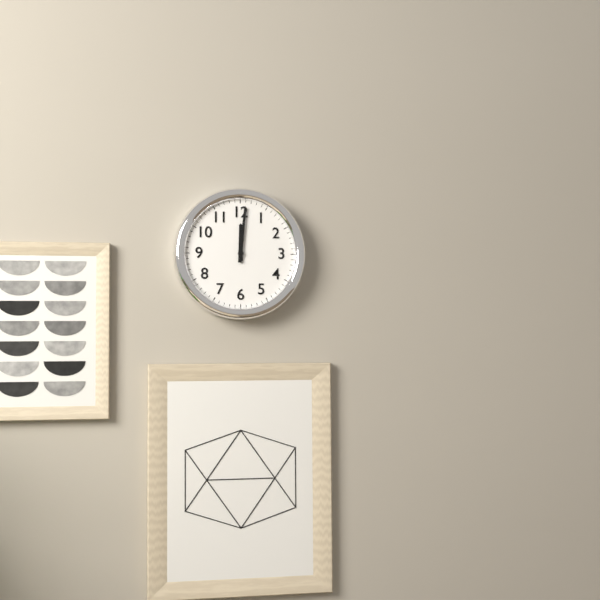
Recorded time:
12h01
